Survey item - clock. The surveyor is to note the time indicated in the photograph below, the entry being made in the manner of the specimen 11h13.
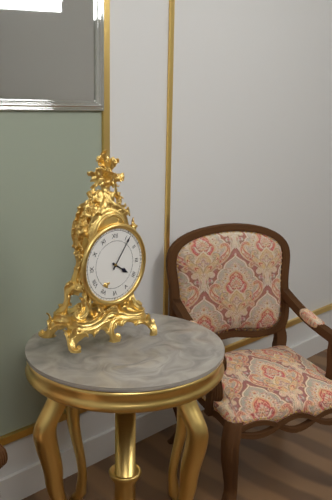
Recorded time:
4h06
